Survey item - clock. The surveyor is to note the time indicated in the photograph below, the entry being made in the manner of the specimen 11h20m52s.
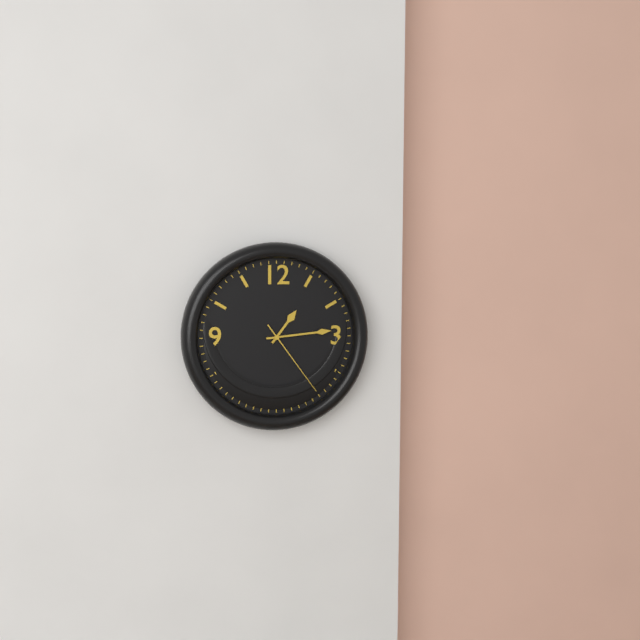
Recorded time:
1h14m24s
